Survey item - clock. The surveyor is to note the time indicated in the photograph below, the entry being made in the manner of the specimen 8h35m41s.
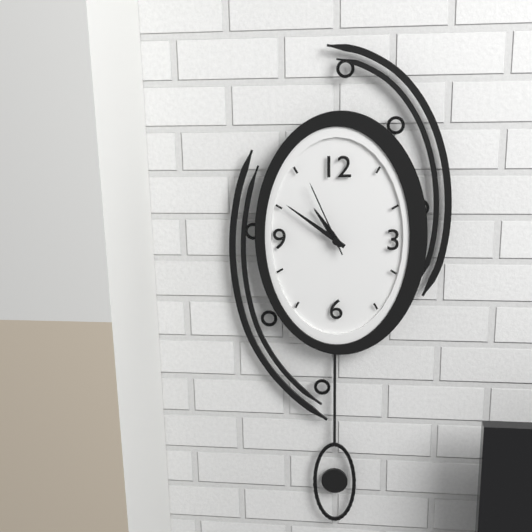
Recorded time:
10h51m56s
